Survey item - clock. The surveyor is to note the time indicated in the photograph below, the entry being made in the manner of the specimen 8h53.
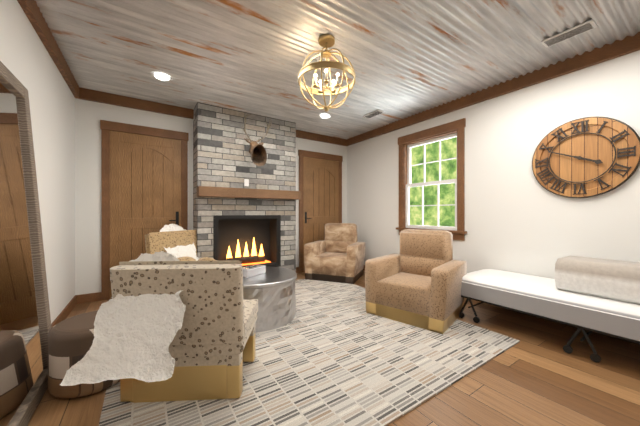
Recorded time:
3h49
